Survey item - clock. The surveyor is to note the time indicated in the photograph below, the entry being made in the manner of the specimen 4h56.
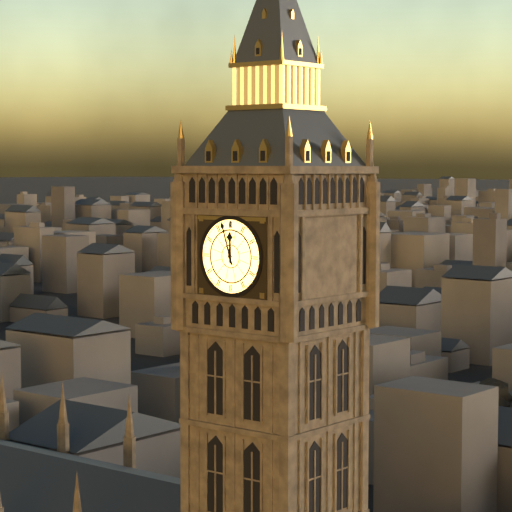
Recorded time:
11h57
